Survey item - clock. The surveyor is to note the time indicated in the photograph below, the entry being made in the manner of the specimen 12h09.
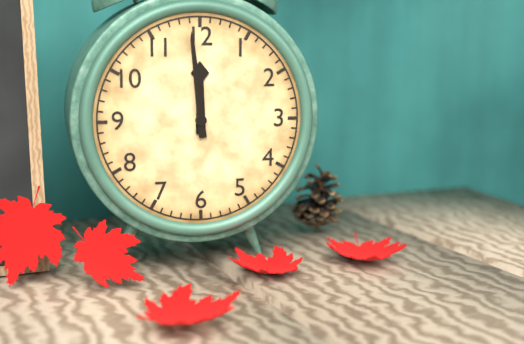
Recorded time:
11h59
